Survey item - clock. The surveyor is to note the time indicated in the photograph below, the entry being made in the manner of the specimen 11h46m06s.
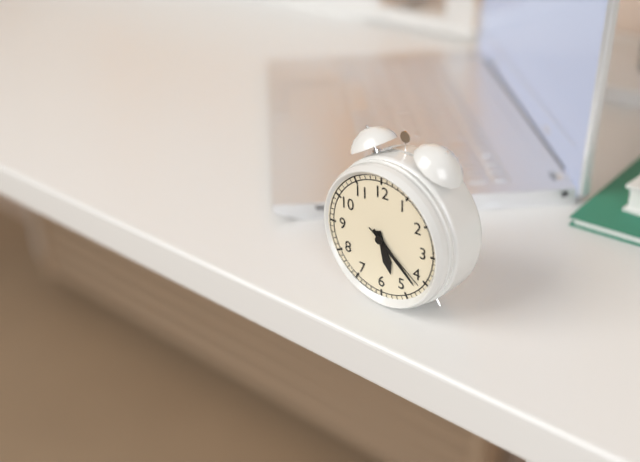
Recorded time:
5h22m21s
